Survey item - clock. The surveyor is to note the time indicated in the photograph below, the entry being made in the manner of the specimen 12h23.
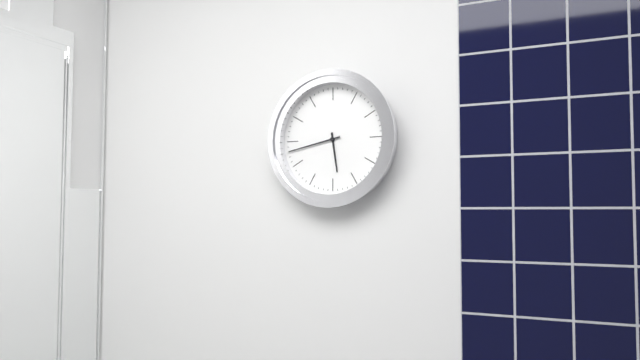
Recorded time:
5h43
